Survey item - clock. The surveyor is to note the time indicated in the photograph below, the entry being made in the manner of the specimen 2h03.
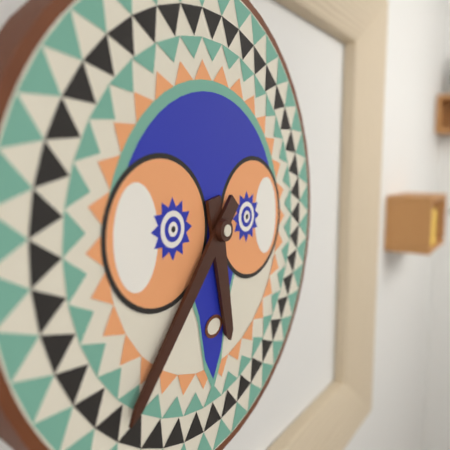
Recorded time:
5h37
